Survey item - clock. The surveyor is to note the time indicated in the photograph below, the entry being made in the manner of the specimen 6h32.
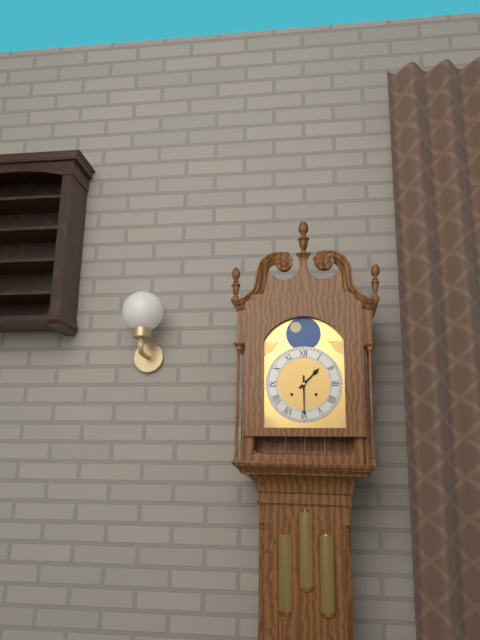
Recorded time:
1h30
